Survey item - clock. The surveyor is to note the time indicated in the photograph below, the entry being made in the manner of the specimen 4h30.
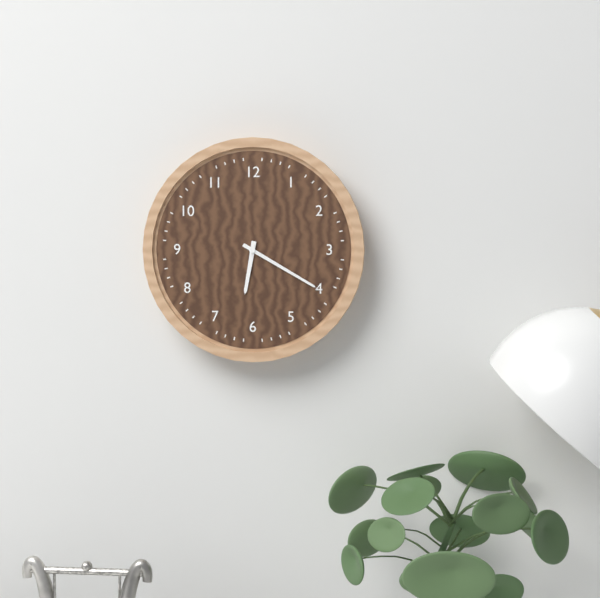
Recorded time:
6h20
